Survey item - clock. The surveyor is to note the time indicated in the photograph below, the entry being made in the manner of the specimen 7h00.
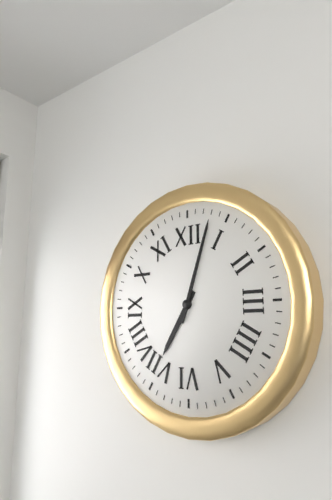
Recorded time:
7h03
